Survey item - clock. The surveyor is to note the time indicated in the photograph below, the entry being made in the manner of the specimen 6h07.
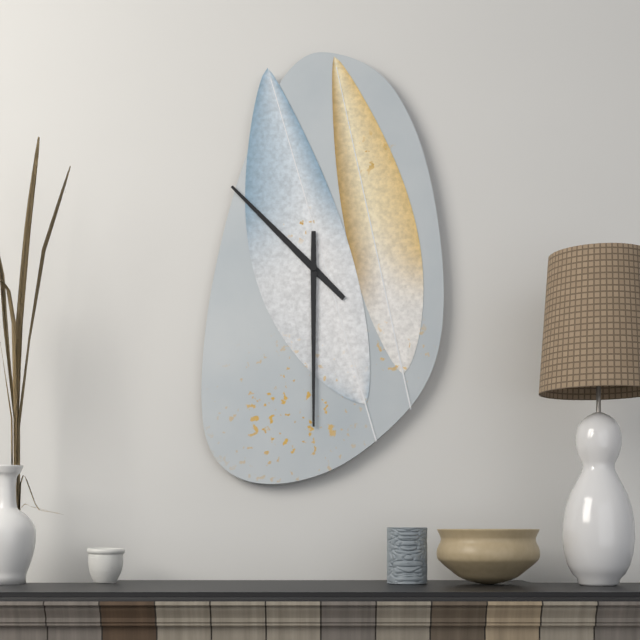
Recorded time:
10h30
